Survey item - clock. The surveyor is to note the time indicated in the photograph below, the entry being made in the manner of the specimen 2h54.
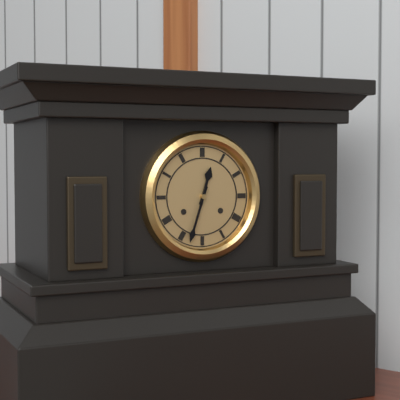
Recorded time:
12h33
